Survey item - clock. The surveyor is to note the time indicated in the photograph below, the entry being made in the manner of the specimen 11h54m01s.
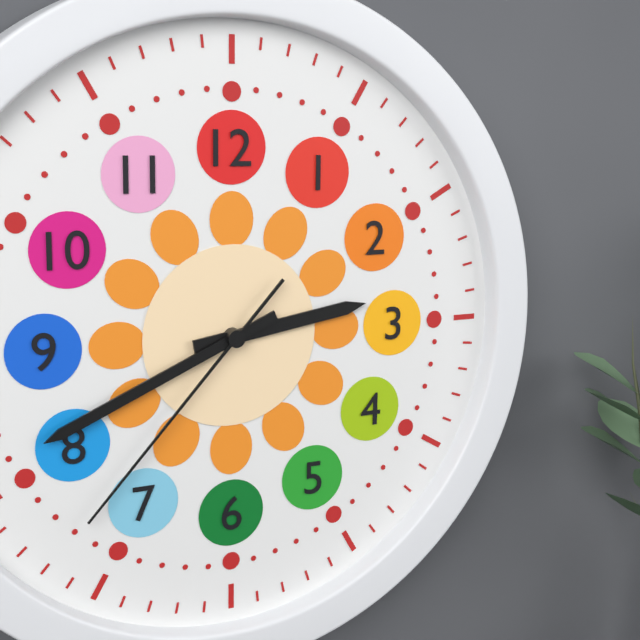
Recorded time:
2h41m37s
